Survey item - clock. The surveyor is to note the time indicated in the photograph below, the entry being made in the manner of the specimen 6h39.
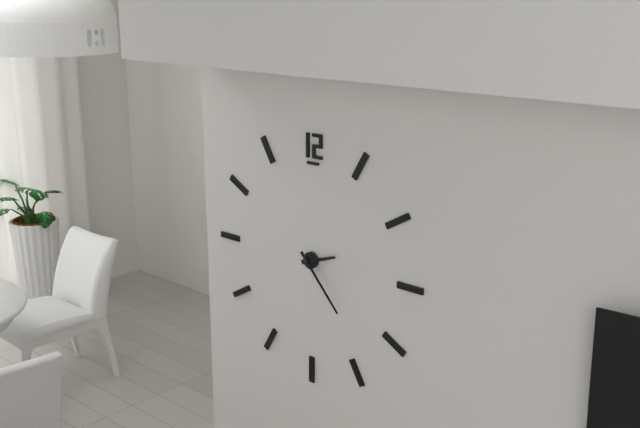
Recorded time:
2h23
